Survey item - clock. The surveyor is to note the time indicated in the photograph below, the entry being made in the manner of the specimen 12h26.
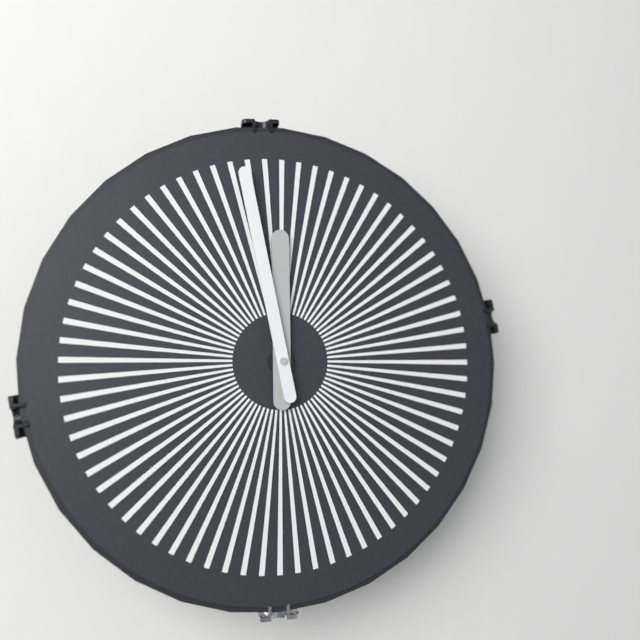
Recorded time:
11h58
